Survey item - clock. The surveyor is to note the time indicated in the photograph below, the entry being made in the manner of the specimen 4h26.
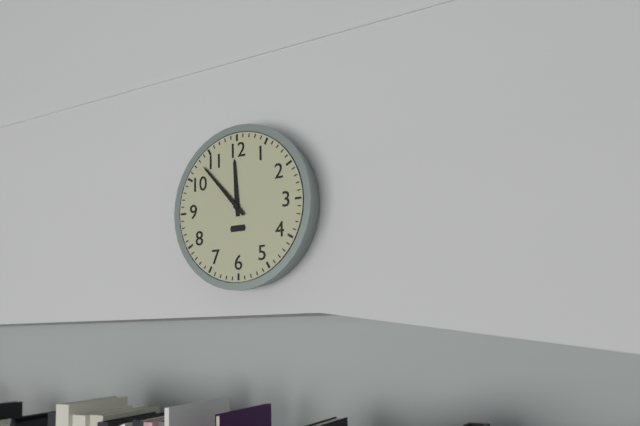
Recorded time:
11h53
